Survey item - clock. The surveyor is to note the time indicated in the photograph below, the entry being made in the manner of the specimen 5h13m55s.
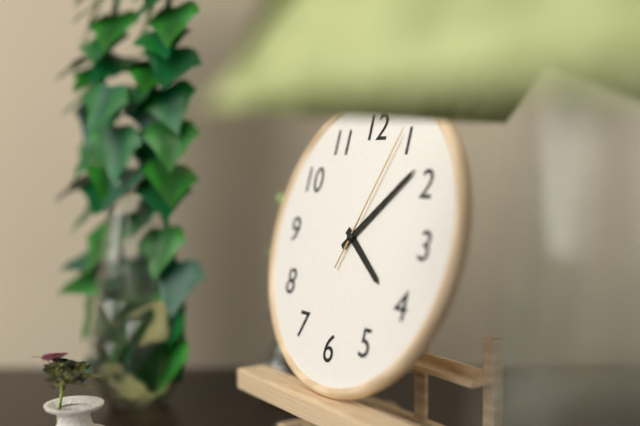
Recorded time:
4h08m04s
